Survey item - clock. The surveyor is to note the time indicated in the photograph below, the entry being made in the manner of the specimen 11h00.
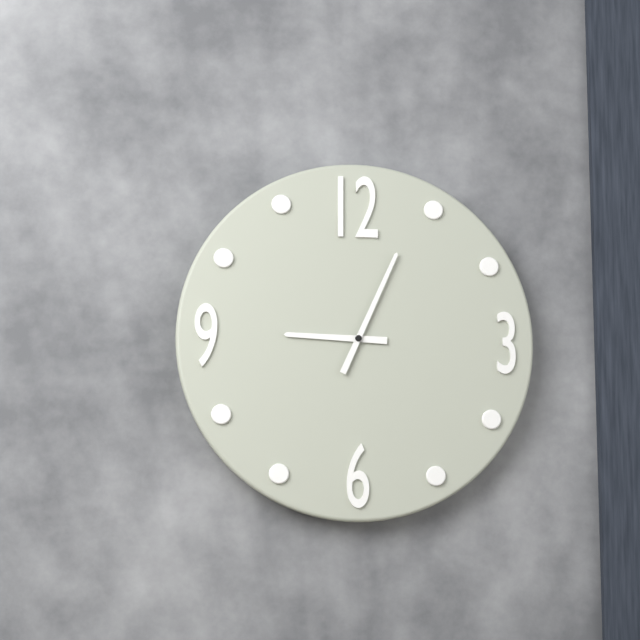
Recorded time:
9h04
